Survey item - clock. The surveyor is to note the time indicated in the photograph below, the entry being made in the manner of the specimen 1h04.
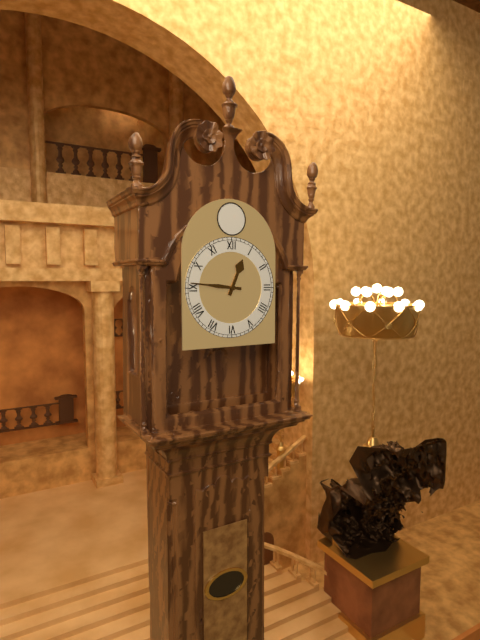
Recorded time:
12h46
